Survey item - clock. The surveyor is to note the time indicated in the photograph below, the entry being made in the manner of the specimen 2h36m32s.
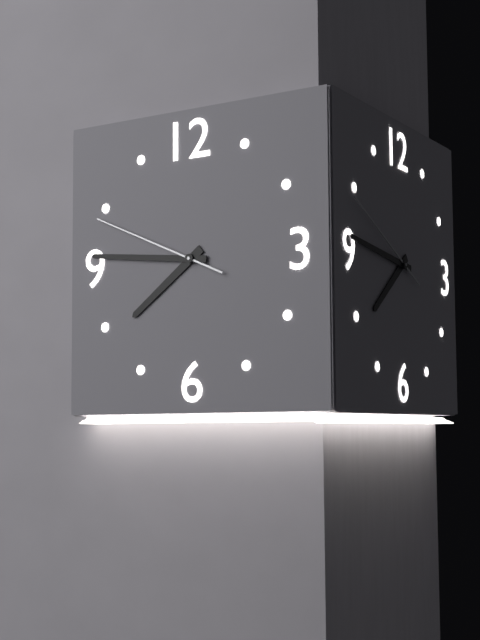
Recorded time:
7h46m49s
